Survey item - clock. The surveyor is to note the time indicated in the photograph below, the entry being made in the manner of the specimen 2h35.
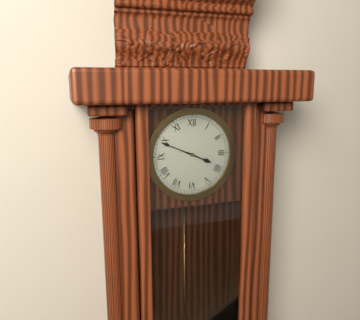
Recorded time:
3h49
